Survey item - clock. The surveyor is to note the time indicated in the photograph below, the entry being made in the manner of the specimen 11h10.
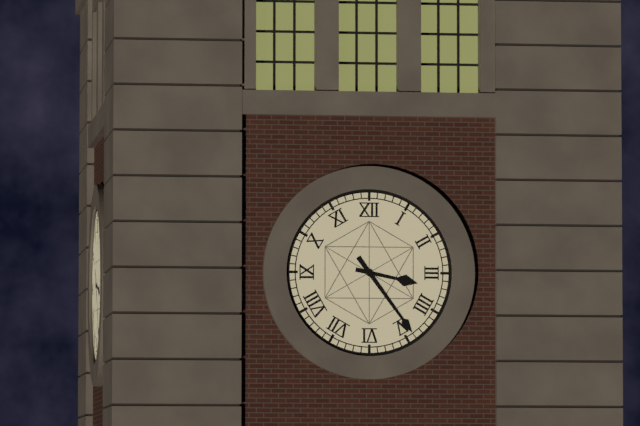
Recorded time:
3h24
